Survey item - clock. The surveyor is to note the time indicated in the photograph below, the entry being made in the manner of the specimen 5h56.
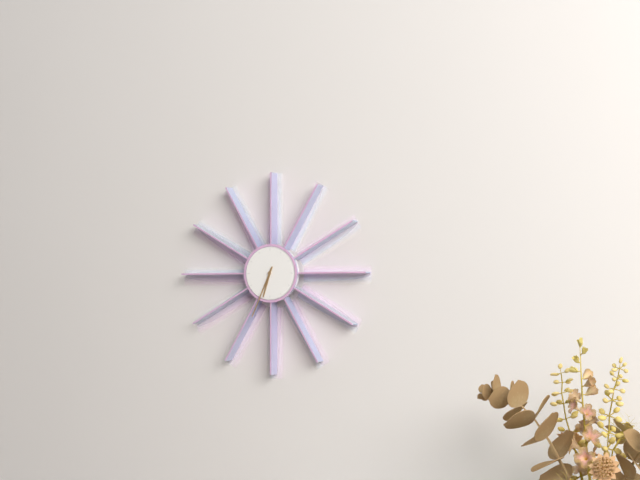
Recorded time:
6h34
